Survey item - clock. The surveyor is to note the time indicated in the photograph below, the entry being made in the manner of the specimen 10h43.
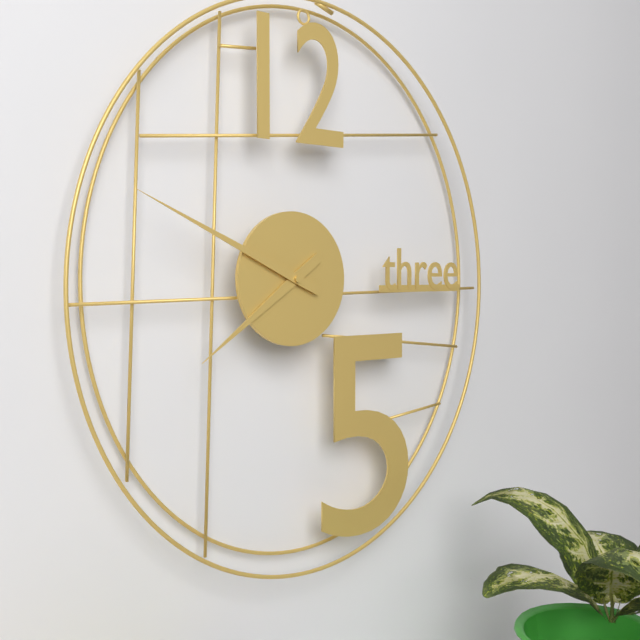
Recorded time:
7h49
